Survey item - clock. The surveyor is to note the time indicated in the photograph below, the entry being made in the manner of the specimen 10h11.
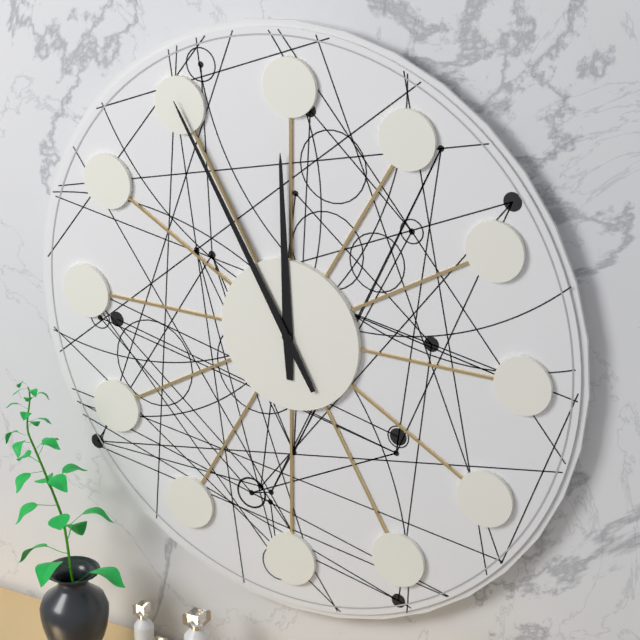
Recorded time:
11h55
